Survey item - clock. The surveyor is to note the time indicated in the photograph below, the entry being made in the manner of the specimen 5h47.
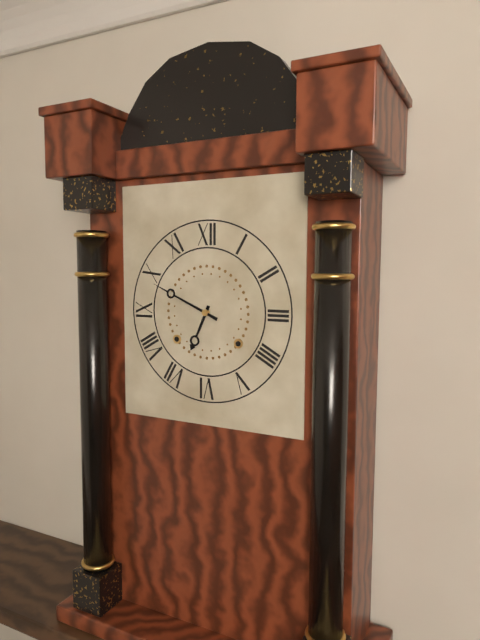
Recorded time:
6h49
